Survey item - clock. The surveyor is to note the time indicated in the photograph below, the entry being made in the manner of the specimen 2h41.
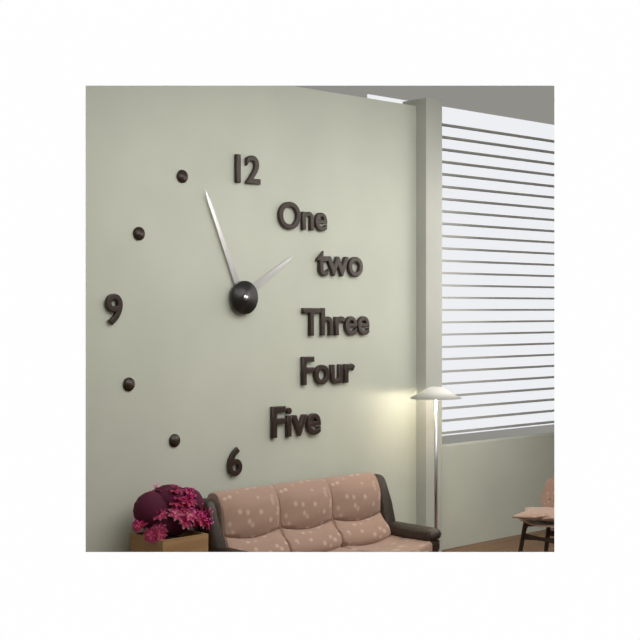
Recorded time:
1h56
